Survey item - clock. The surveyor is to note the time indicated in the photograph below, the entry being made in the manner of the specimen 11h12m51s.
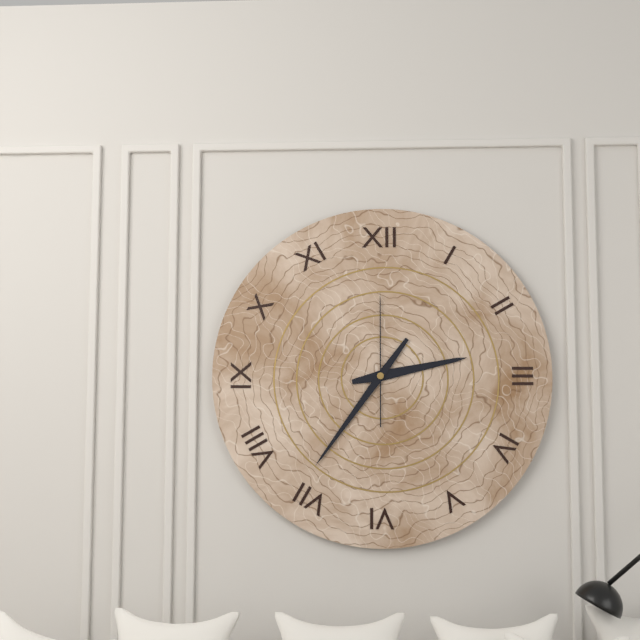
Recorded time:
2h36m00s
